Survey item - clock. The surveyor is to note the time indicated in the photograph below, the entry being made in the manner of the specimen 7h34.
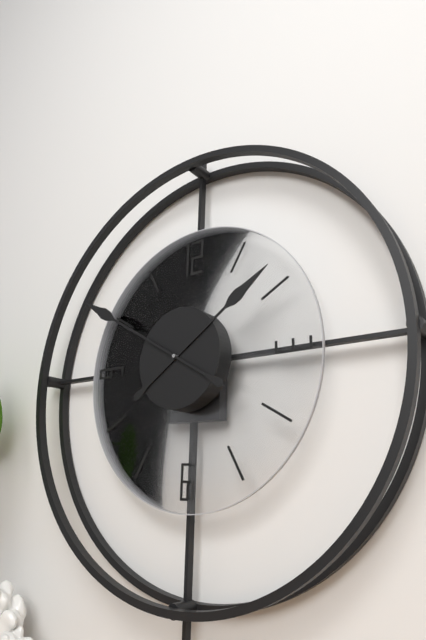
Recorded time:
1h50
